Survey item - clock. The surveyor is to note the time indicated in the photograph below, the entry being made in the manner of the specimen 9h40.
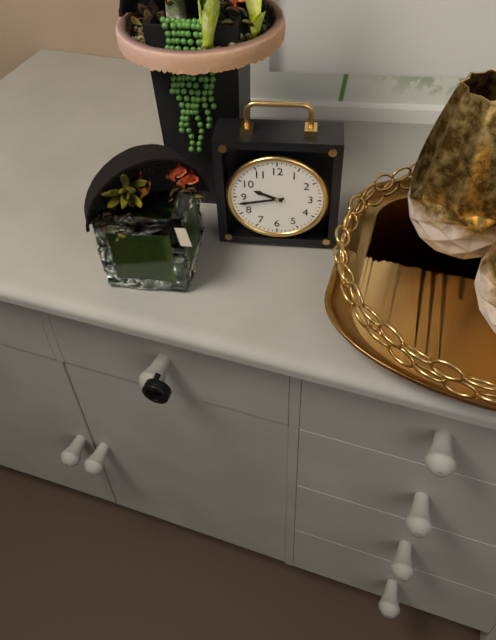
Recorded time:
9h43
